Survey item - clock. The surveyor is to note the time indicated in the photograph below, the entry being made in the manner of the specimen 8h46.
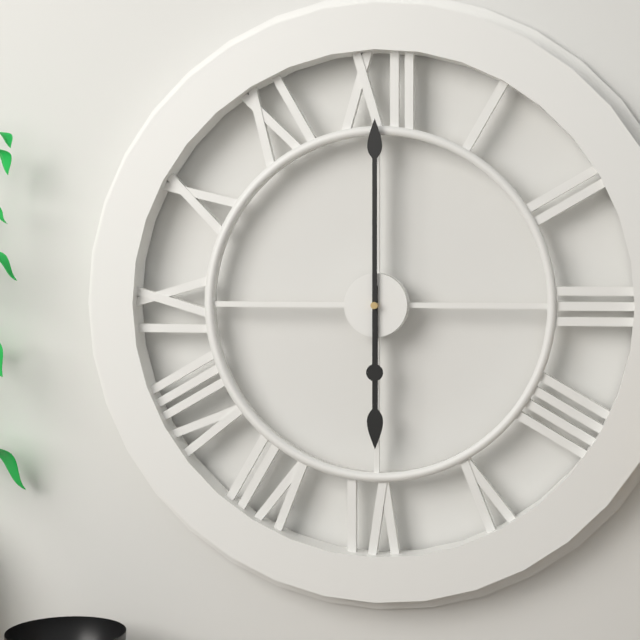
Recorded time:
6h00
